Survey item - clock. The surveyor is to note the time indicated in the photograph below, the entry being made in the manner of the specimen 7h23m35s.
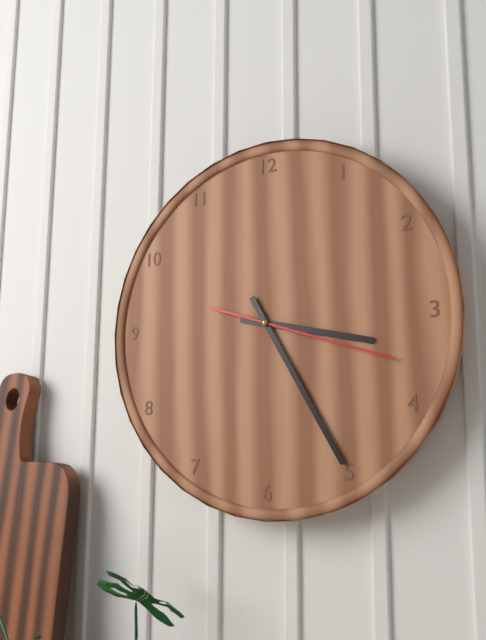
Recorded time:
3h25m18s
